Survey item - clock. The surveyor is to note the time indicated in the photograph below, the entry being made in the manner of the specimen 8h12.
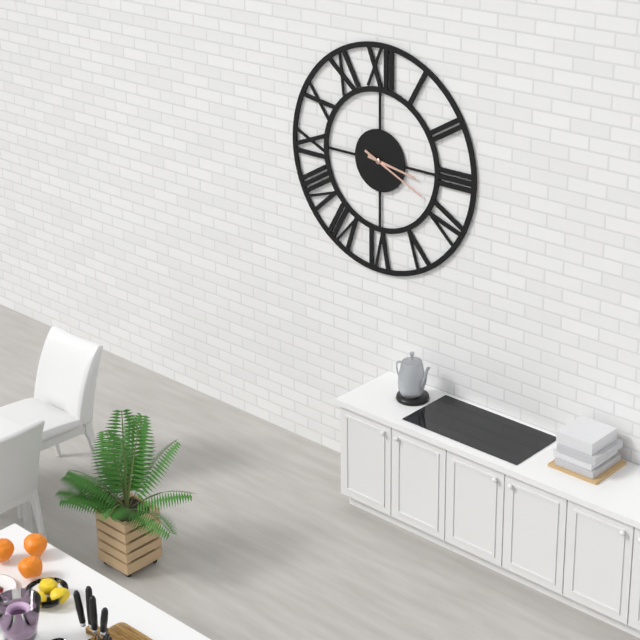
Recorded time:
3h19
